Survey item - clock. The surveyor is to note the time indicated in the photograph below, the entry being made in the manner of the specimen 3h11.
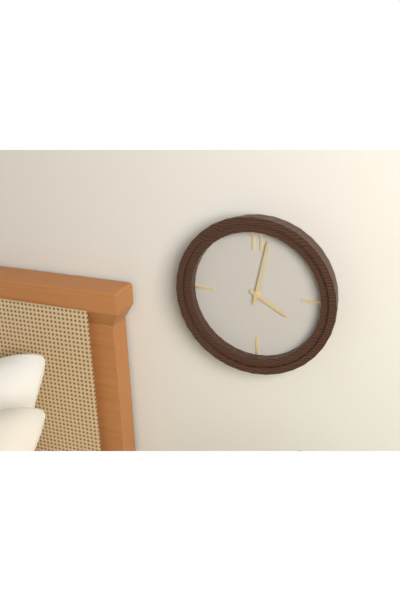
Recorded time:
4h02
